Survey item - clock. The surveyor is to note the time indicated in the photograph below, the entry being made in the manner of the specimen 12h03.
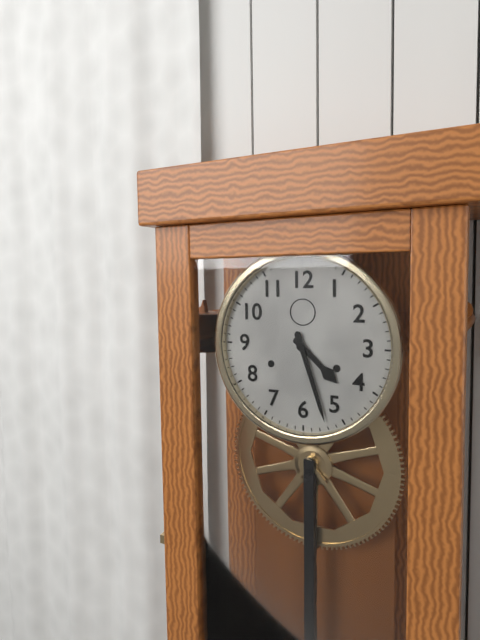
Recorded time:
4h27
